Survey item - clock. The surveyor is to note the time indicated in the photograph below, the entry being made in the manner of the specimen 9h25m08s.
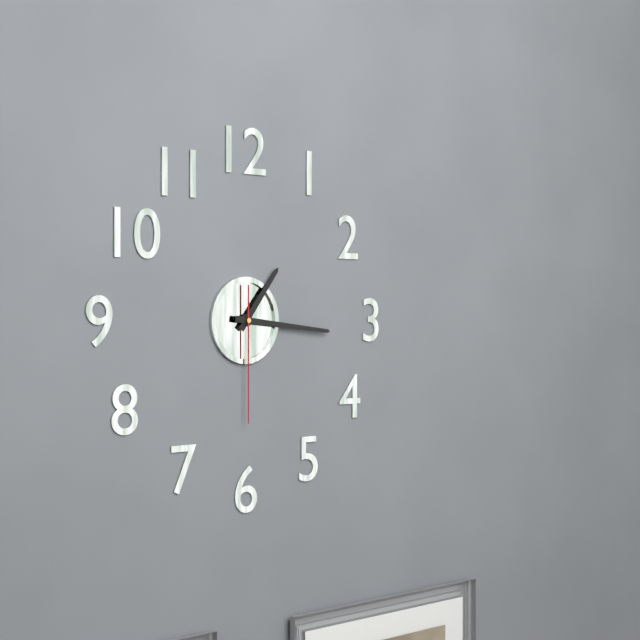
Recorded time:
1h16m30s
